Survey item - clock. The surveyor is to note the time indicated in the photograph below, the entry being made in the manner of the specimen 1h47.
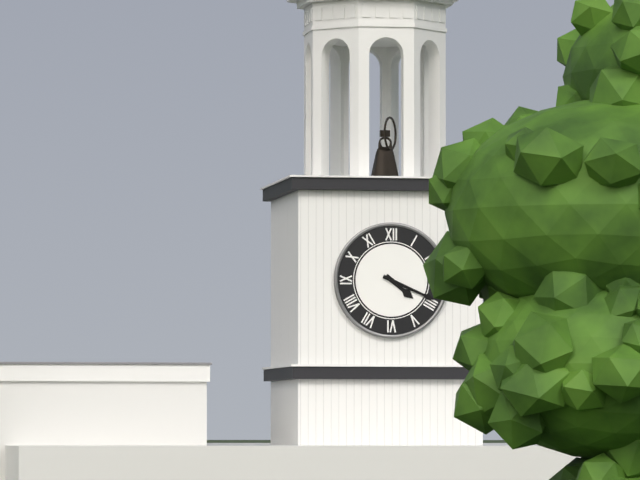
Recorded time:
4h19
